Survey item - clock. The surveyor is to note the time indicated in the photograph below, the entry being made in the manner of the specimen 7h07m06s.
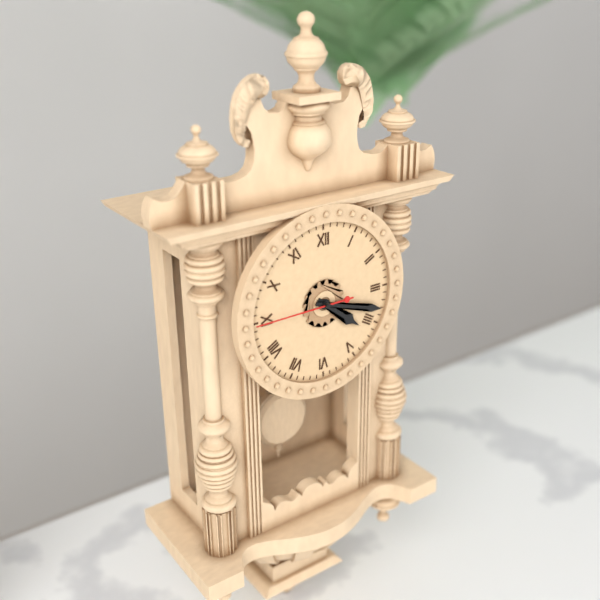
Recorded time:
4h18m45s
